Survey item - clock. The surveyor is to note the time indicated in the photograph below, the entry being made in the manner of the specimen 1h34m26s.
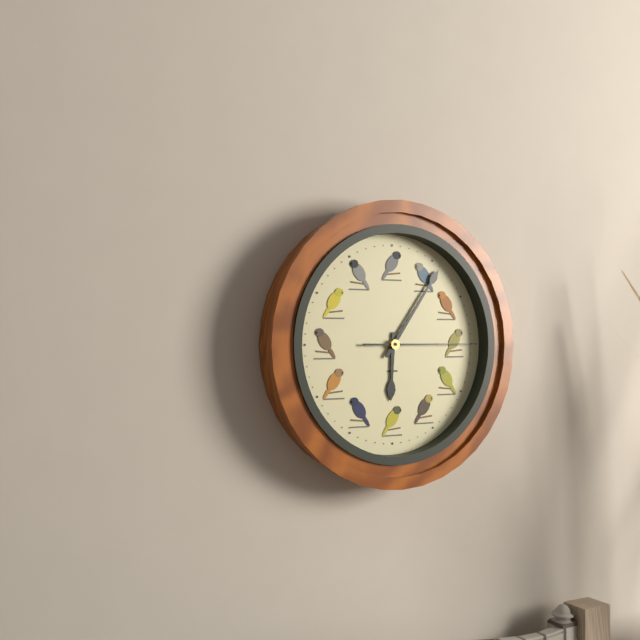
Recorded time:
6h06m15s
